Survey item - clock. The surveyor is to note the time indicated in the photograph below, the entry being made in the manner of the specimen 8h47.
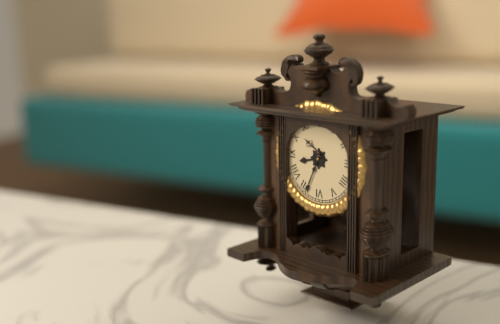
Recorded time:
8h34
